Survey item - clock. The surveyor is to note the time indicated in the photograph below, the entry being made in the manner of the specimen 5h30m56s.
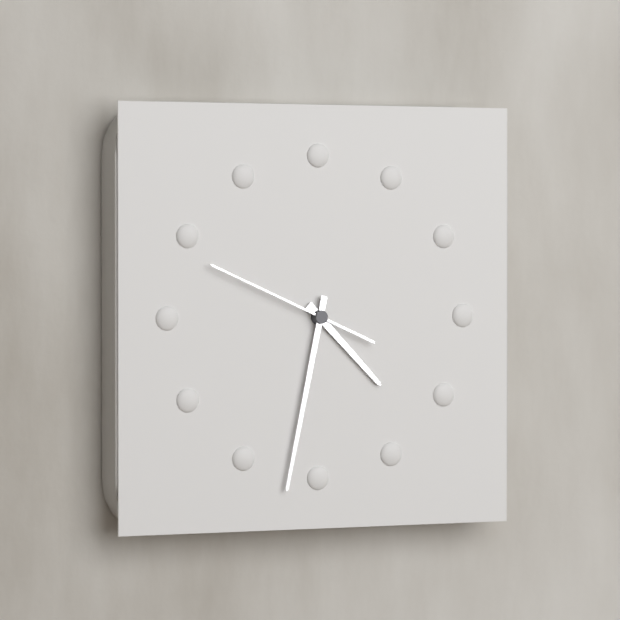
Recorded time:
4h32m49s
